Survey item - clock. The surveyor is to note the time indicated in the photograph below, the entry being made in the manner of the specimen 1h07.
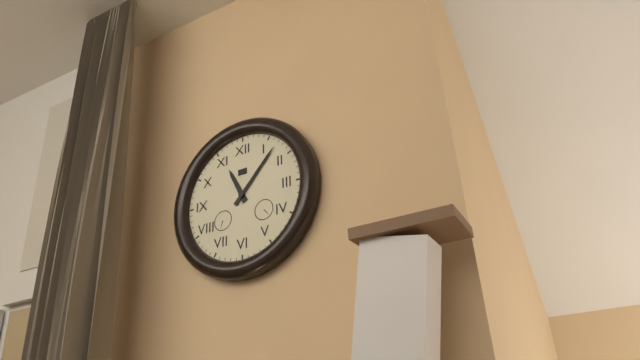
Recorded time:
11h07
